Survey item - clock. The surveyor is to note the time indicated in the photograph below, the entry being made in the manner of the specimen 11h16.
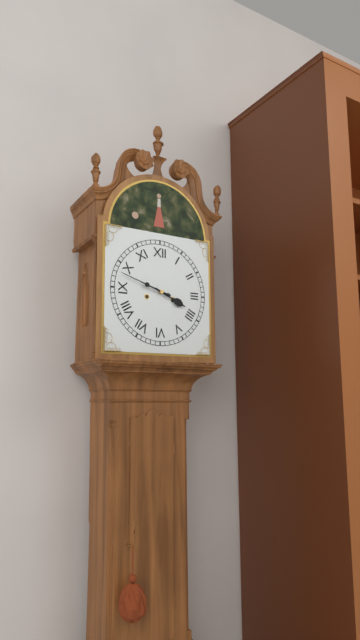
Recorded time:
3h48
